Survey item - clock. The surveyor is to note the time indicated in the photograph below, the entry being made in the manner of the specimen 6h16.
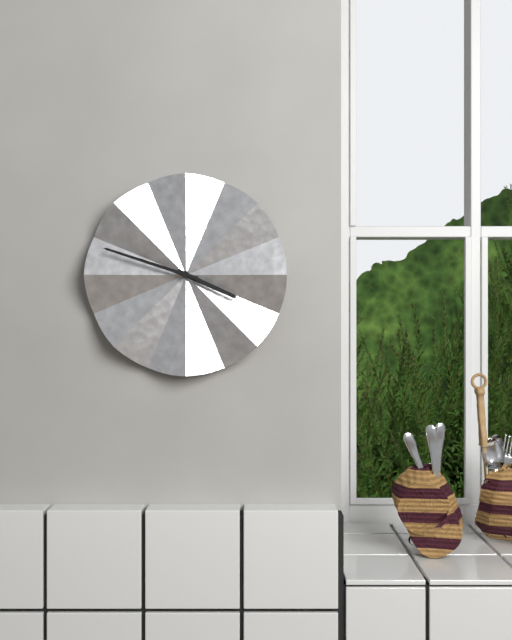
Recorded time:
3h48
